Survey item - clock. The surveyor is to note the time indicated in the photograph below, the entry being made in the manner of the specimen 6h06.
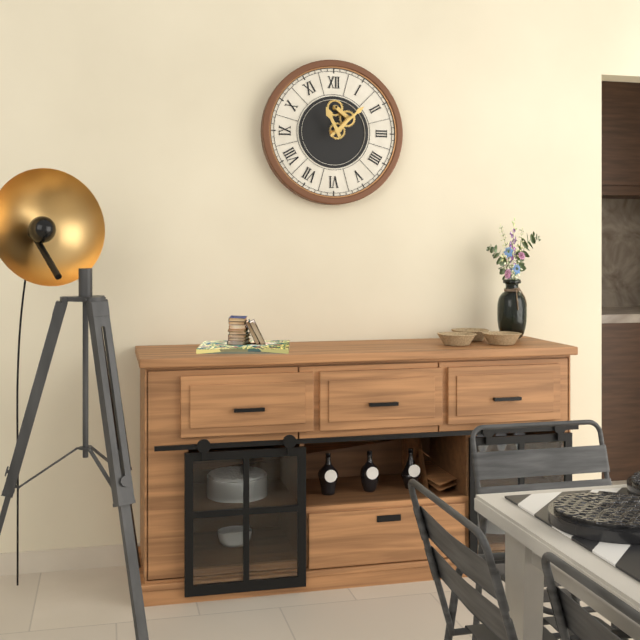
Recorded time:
11h08
